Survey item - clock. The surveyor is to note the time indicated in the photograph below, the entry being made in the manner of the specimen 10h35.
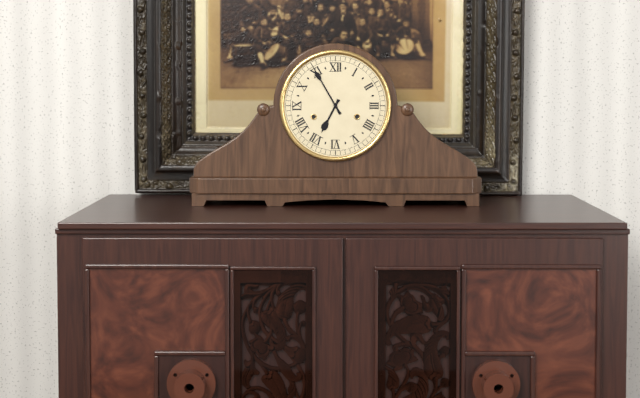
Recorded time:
6h55
